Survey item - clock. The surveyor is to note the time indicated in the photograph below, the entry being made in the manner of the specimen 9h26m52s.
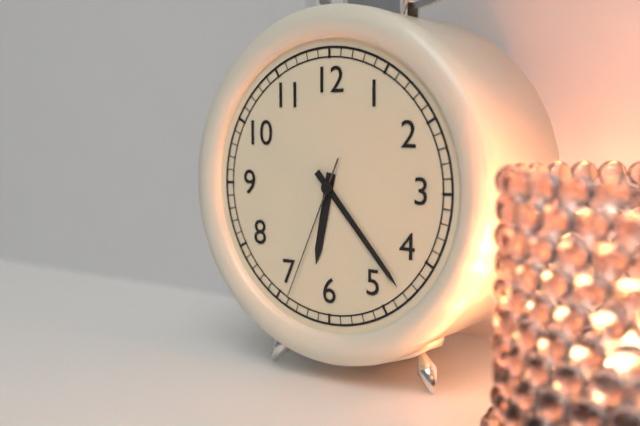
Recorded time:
6h23m34s
